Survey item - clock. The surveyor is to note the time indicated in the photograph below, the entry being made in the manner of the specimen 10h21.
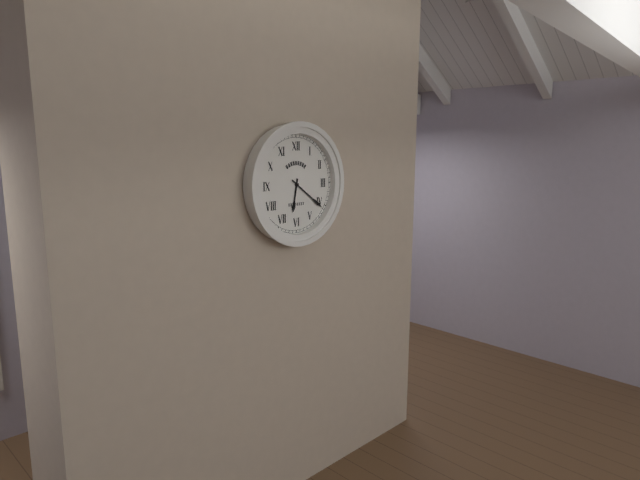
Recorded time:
6h21
